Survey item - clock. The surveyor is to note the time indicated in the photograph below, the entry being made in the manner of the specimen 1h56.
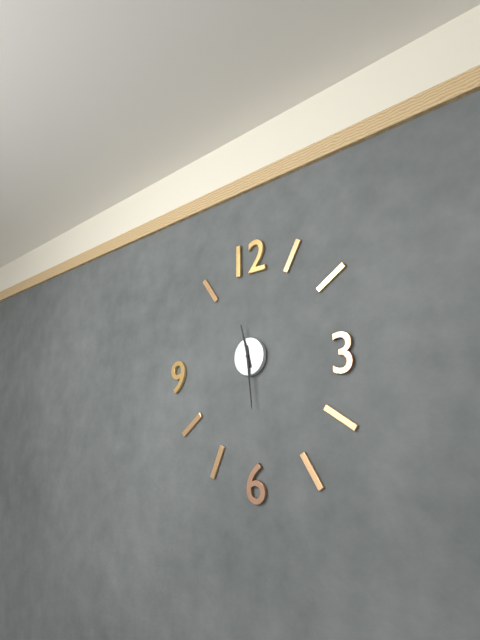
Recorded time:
11h29
